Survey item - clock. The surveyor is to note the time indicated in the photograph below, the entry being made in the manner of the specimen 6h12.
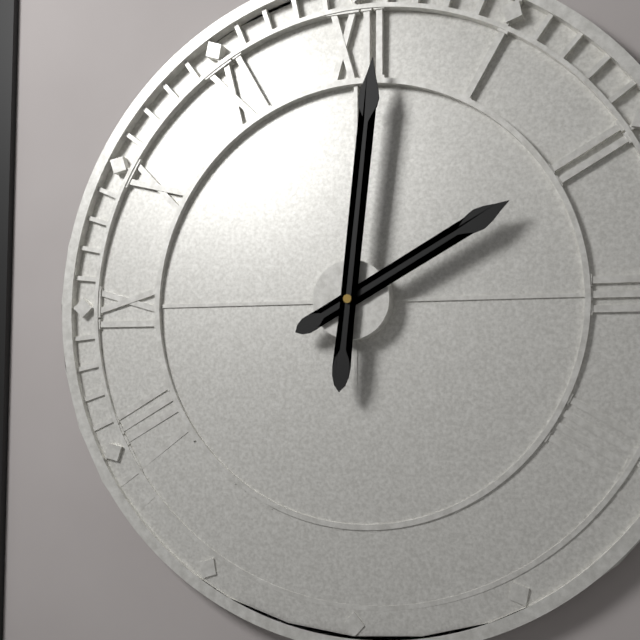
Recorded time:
2h01
